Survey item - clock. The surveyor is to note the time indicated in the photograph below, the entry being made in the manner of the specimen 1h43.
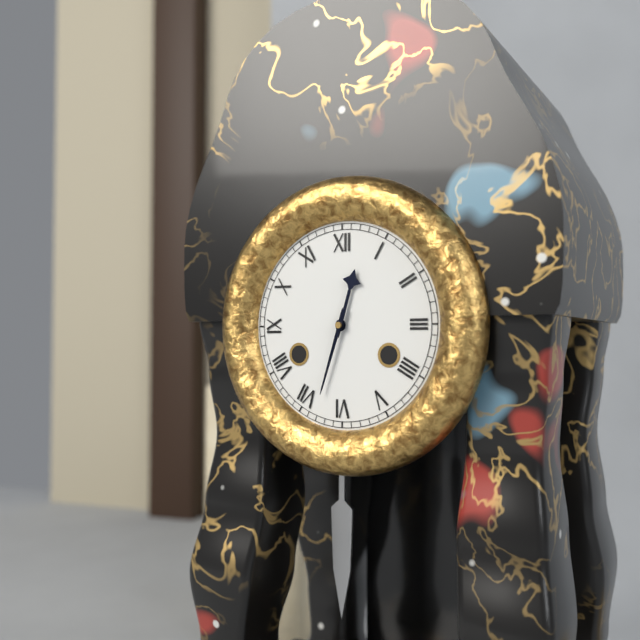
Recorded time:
12h33
